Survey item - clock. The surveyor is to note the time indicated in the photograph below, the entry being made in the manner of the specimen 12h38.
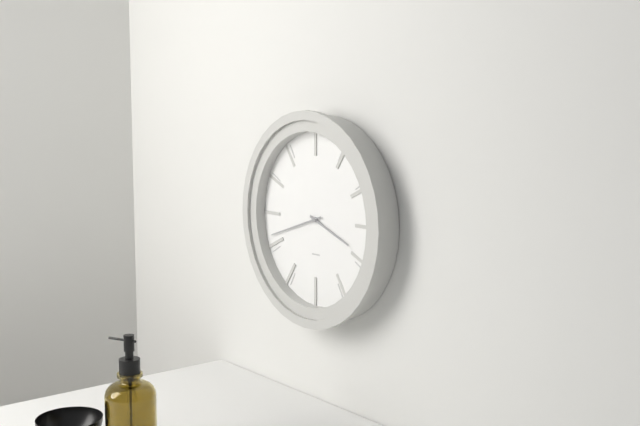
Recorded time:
3h42
